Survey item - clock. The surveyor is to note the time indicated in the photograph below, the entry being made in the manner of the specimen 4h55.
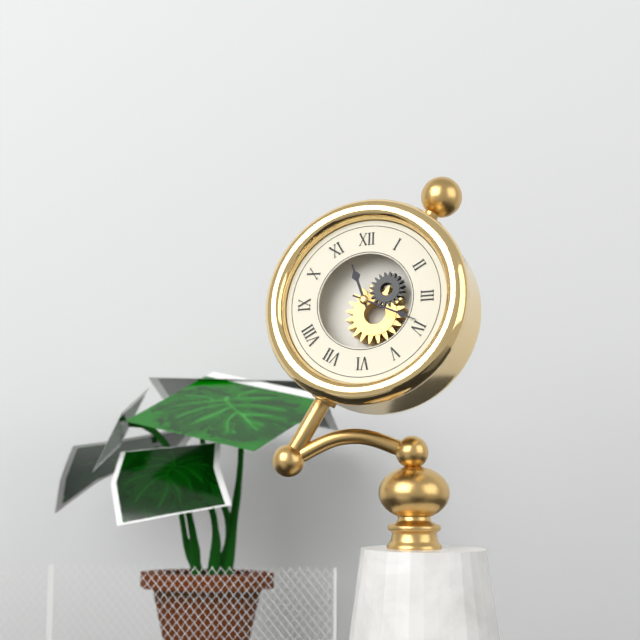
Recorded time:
11h19
